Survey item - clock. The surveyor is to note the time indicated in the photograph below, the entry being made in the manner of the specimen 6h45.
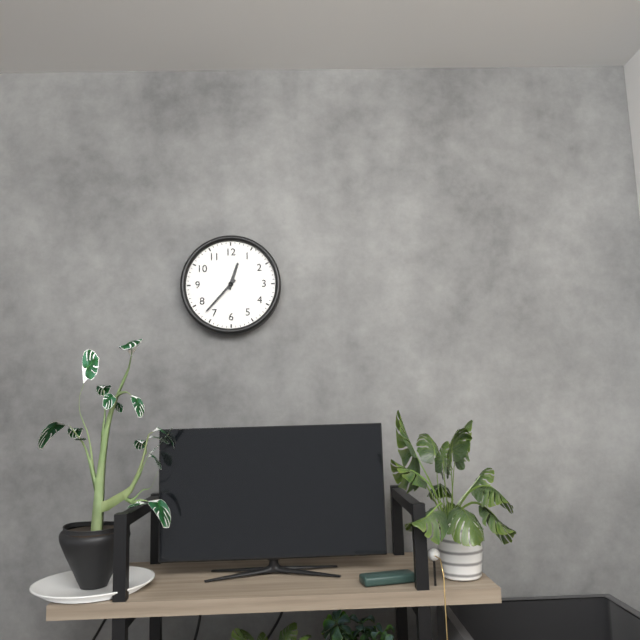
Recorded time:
12h37
